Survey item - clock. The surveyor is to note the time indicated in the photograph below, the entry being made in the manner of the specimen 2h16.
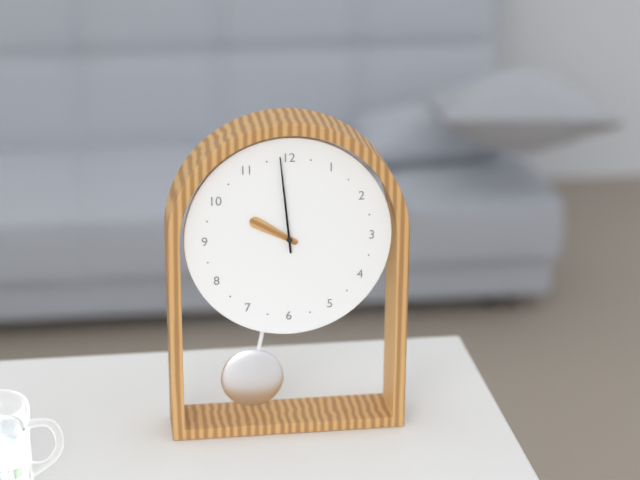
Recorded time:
9h59
